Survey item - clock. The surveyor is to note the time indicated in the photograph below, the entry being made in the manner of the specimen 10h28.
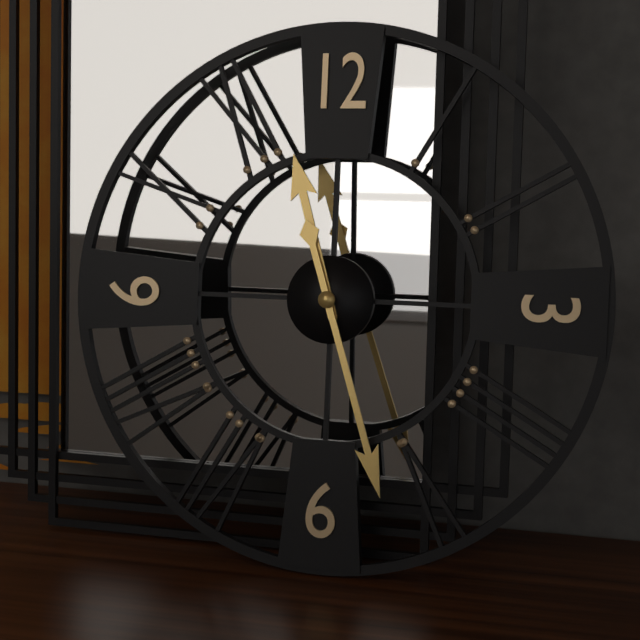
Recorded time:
11h27
